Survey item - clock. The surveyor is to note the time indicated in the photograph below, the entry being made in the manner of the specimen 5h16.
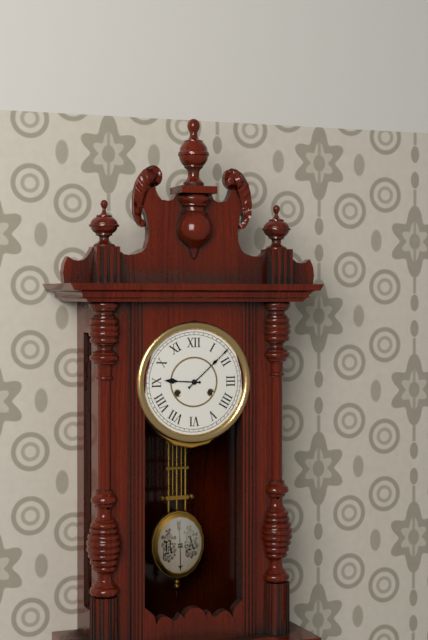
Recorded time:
9h08
